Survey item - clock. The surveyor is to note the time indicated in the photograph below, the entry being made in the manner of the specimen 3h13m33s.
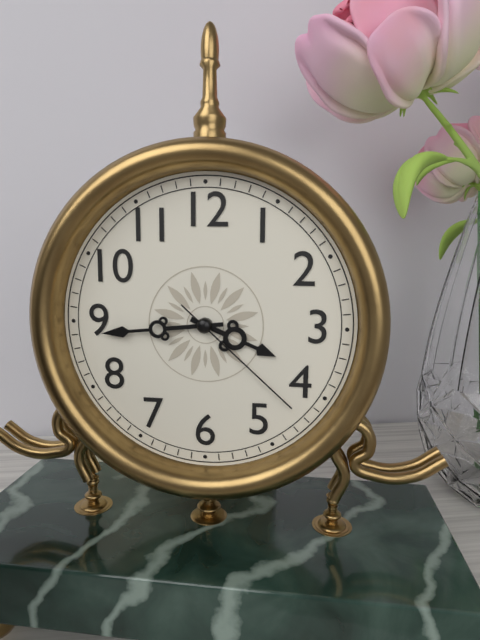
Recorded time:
3h44m22s
